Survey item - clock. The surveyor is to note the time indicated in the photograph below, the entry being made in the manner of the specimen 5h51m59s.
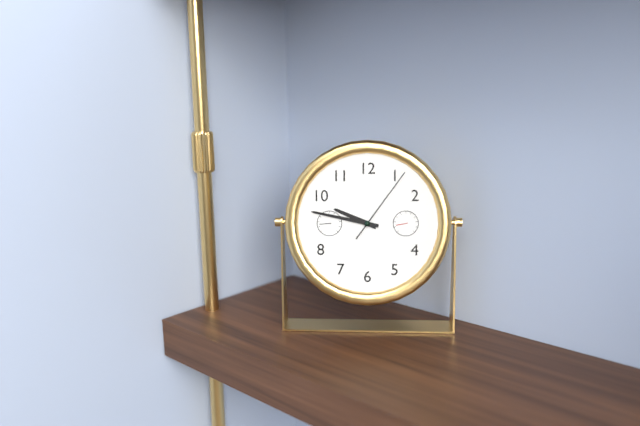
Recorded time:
9h47m06s
